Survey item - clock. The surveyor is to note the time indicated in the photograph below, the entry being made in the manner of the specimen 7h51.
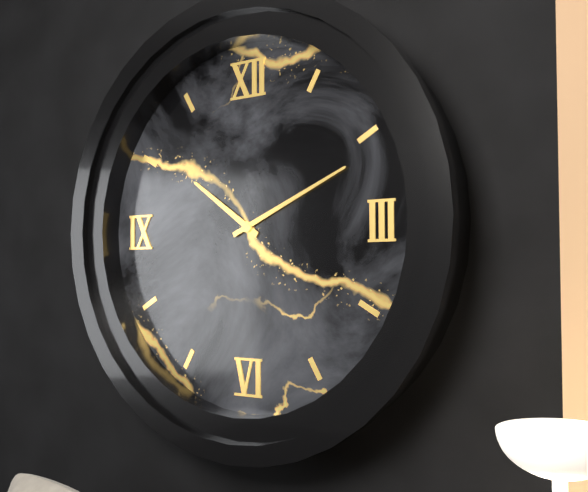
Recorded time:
10h11
